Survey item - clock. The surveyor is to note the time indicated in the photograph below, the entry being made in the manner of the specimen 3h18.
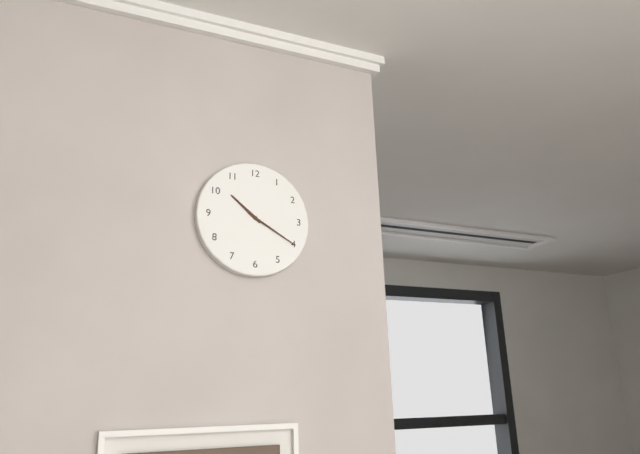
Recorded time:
10h20
